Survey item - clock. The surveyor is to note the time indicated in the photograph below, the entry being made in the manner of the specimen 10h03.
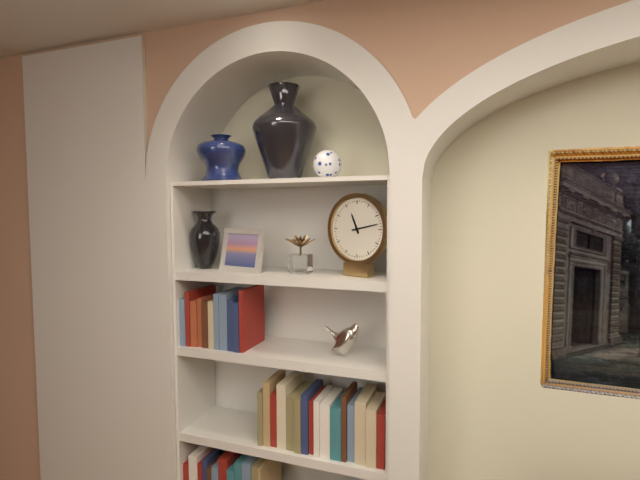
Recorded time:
11h13
